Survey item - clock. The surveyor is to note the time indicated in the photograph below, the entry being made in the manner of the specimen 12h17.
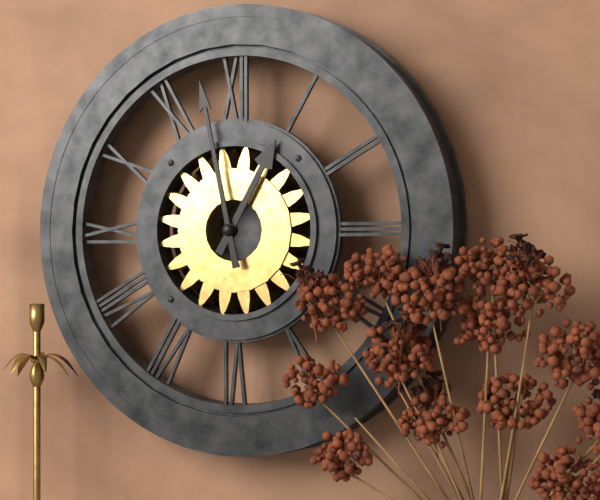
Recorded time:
12h58
